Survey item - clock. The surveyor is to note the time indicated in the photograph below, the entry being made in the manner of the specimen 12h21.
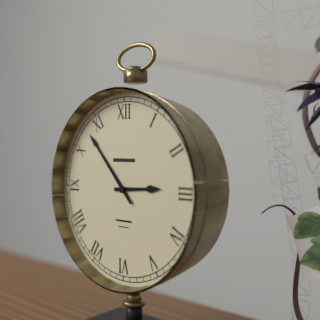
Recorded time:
2h53
